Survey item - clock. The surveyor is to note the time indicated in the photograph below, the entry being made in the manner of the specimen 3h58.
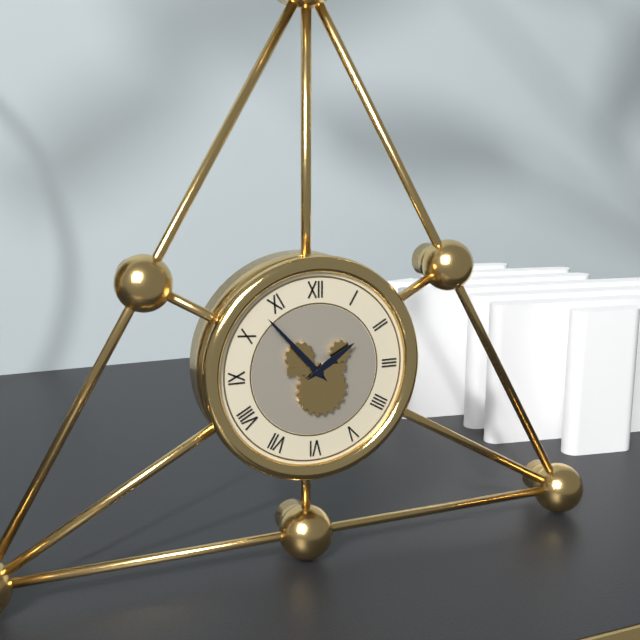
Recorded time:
1h53
